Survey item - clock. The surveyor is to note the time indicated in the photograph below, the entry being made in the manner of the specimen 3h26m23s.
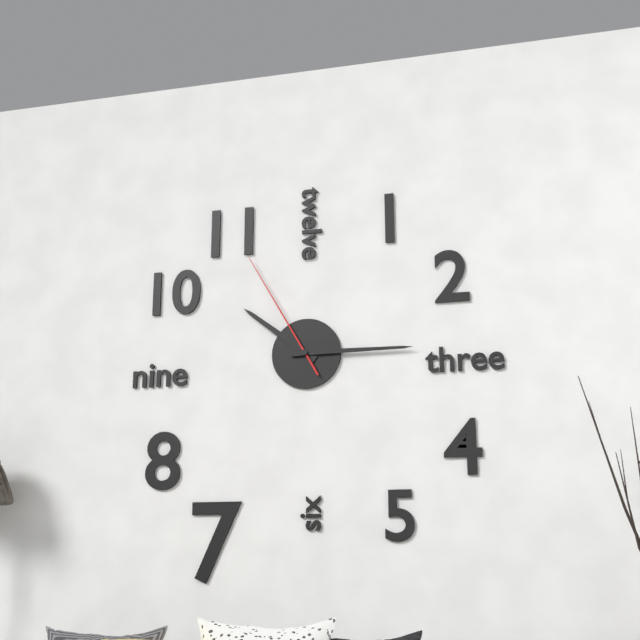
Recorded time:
10h15m55s
